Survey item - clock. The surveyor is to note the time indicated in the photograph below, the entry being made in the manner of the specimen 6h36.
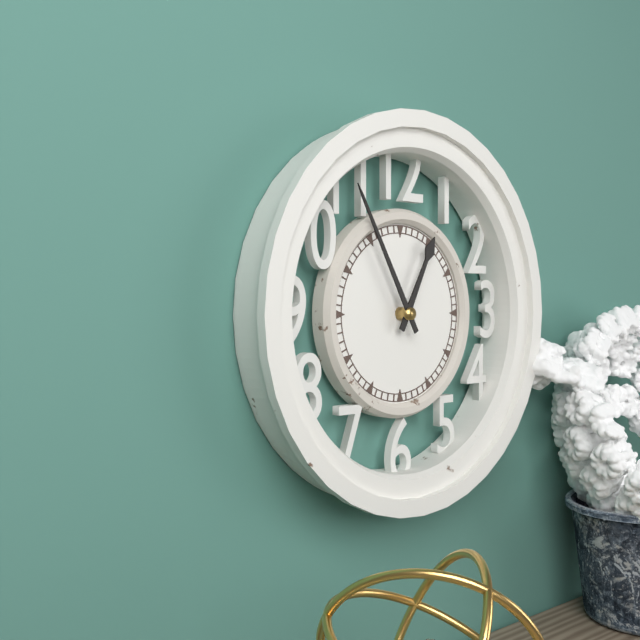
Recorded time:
12h55
